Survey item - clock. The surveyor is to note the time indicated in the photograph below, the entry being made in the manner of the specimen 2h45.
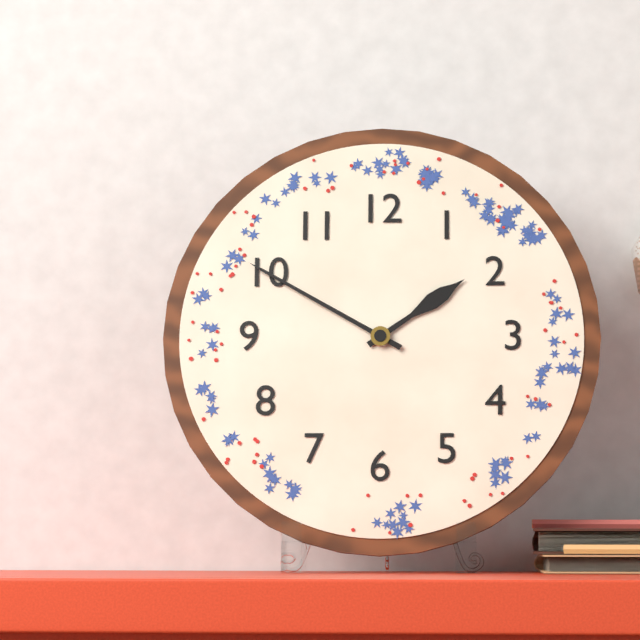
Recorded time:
1h50
